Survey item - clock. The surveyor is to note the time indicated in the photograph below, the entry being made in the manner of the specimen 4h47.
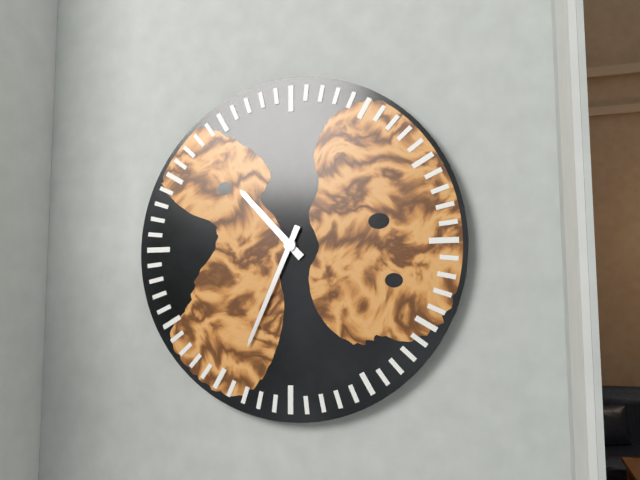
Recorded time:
10h34
